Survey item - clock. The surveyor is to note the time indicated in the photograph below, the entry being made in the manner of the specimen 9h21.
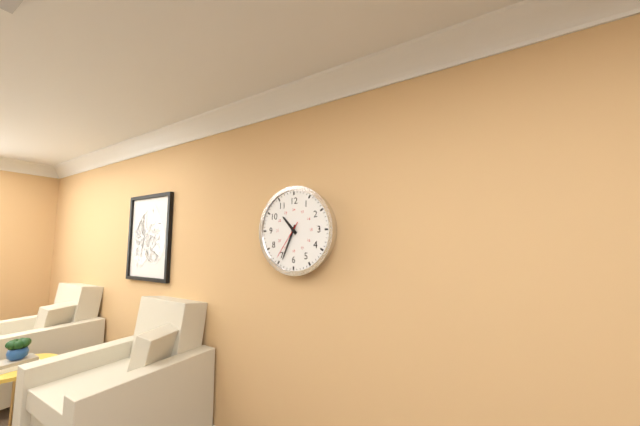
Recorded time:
10h34
